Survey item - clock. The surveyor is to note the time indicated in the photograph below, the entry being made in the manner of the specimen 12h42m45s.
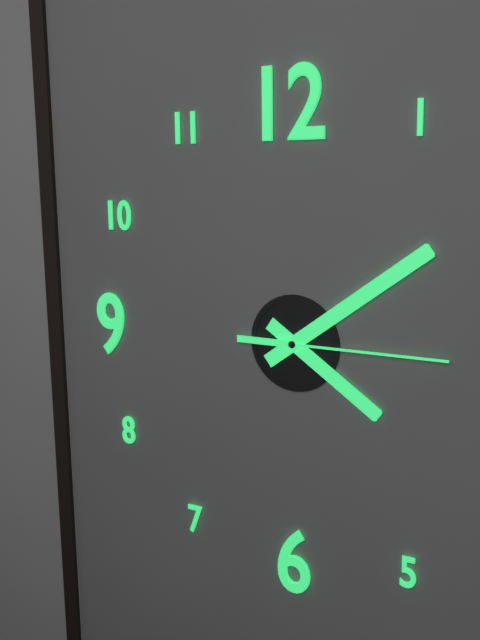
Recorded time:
4h09m15s
